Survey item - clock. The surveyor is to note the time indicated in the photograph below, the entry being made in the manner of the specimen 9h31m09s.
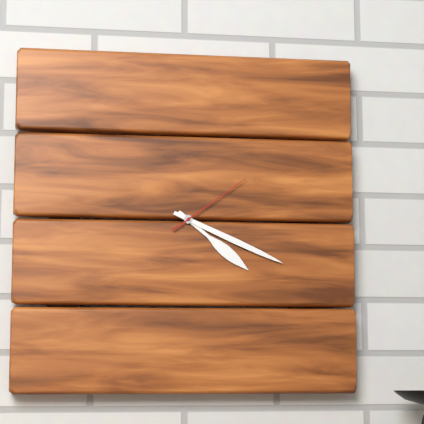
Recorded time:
4h19m09s
